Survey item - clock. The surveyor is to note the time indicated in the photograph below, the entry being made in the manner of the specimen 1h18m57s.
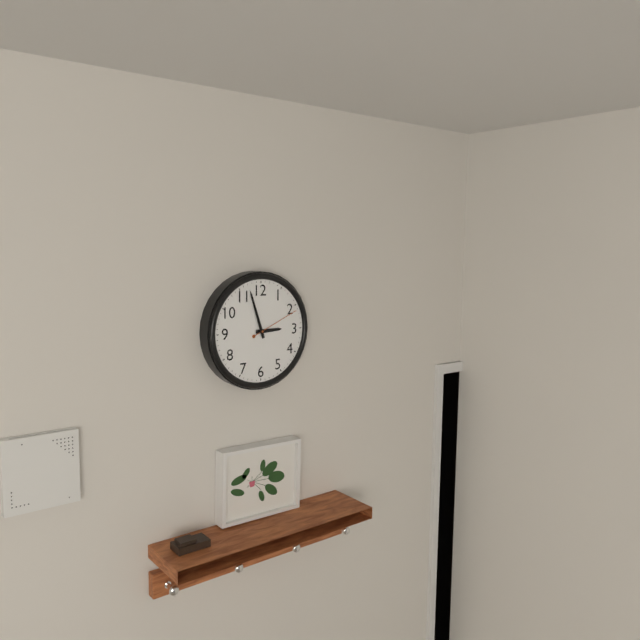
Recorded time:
2h57m11s
